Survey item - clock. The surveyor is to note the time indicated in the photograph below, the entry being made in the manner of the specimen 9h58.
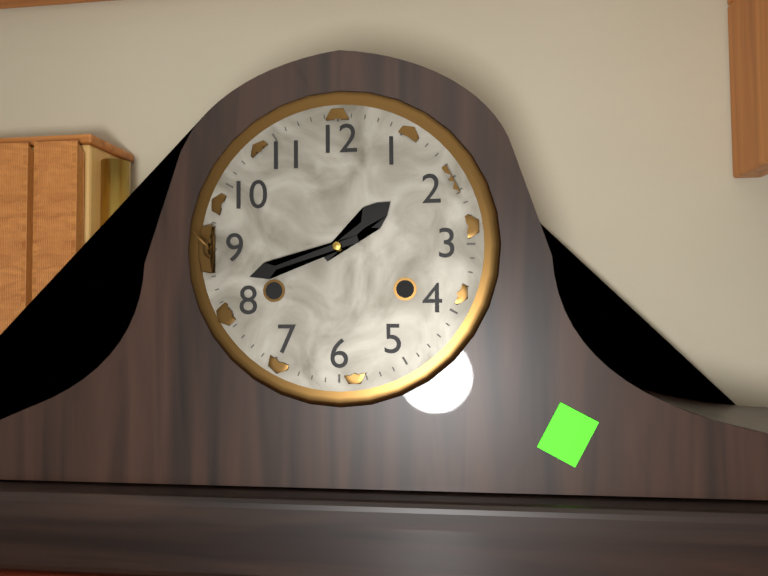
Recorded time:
1h42
